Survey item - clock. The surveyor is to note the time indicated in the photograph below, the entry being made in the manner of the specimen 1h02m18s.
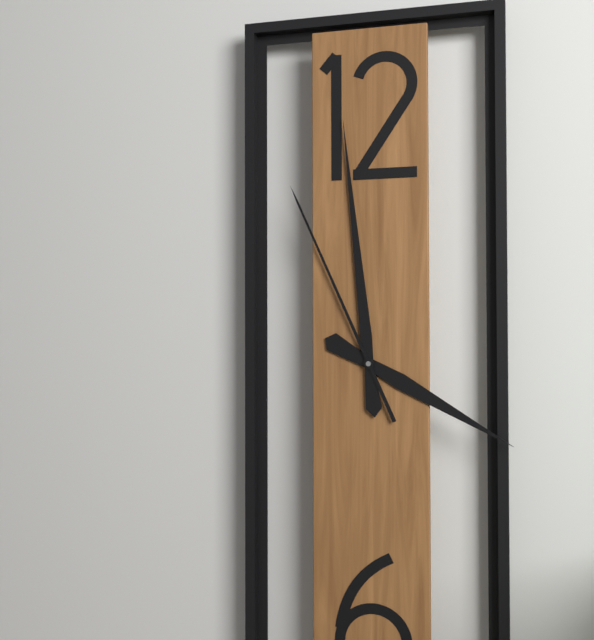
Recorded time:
3h59m56s
